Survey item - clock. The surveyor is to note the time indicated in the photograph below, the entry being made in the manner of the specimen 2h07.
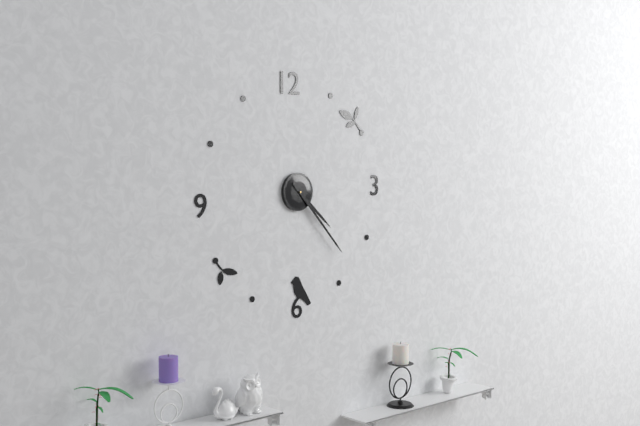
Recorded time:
4h23
